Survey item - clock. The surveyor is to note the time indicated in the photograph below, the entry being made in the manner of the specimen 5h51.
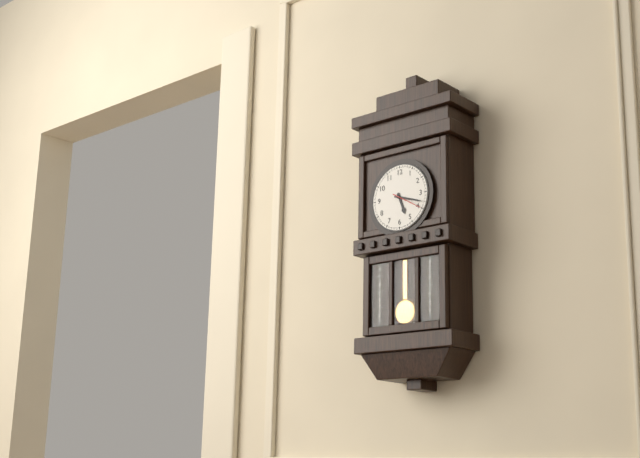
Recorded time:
5h18
